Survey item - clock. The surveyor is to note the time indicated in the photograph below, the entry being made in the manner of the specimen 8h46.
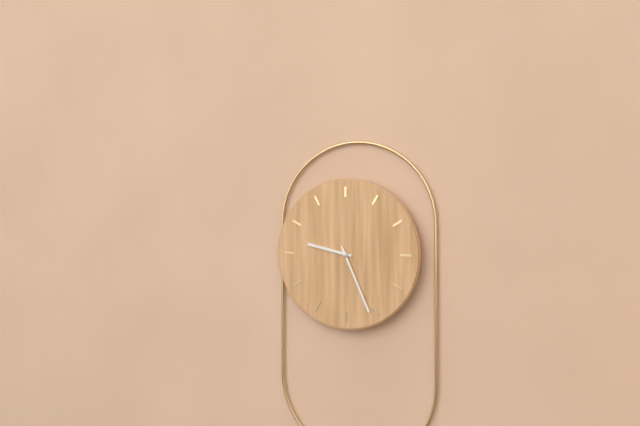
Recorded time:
9h26
